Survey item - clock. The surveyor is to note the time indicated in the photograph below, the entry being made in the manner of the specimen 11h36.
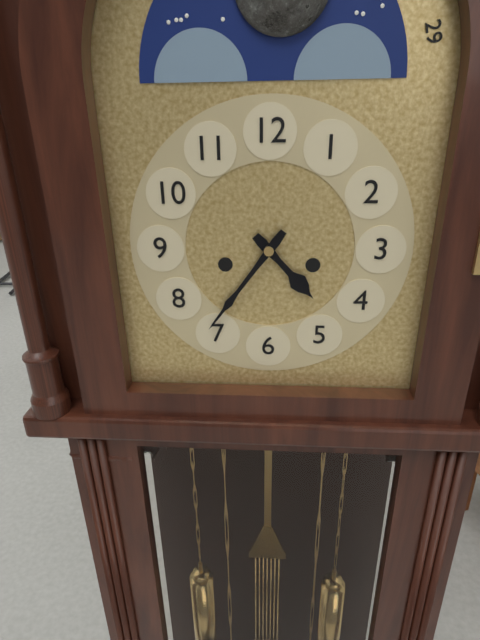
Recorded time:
4h36
